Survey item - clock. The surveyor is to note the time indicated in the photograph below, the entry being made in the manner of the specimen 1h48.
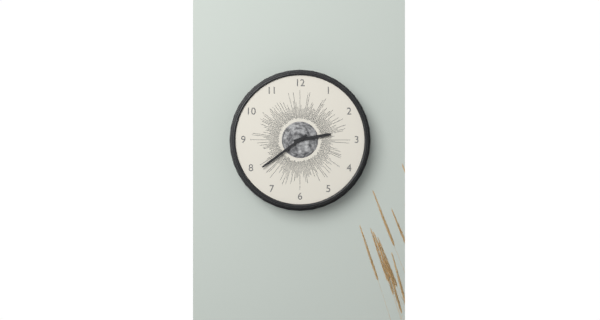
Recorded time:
2h39
